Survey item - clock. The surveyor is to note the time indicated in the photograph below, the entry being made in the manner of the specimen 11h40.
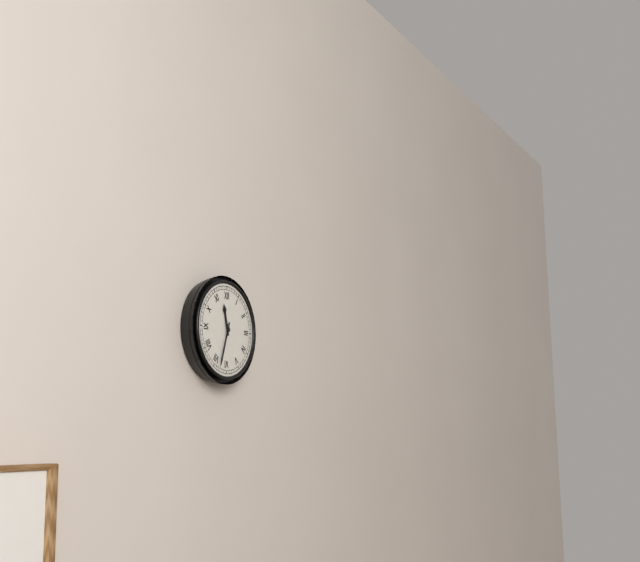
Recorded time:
11h33
